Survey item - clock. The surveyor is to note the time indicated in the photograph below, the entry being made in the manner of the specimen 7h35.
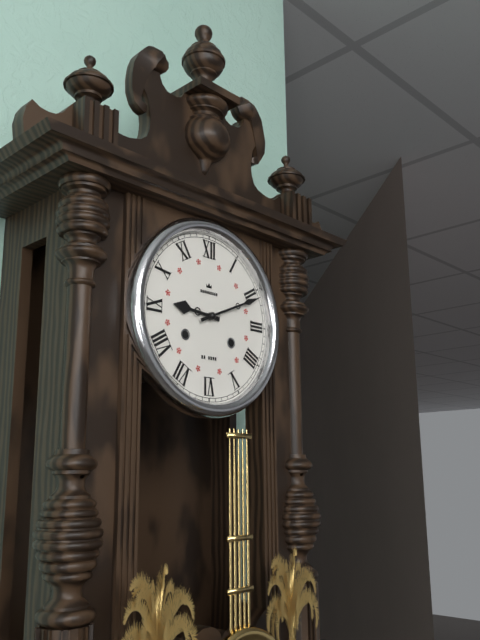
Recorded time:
9h11
